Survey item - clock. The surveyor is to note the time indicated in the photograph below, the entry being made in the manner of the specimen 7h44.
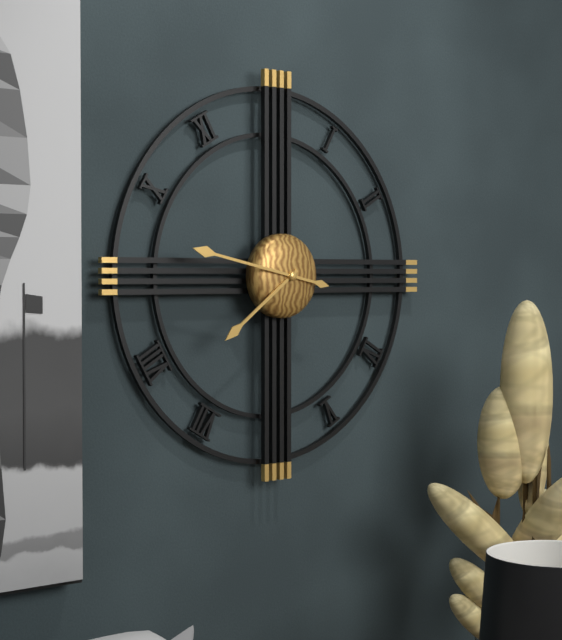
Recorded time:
7h47
